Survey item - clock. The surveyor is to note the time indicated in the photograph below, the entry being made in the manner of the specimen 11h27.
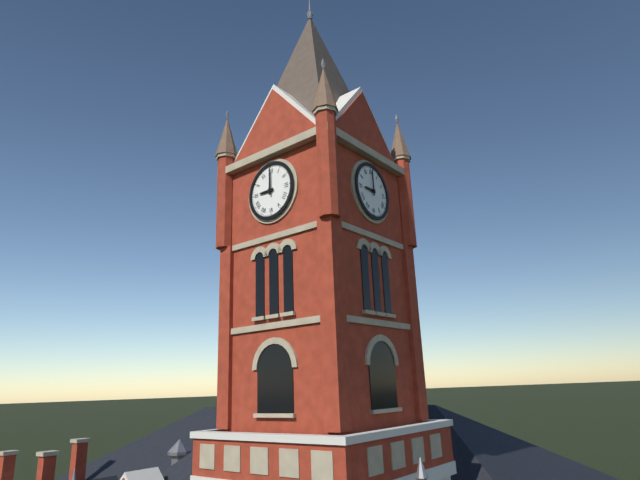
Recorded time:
9h00
